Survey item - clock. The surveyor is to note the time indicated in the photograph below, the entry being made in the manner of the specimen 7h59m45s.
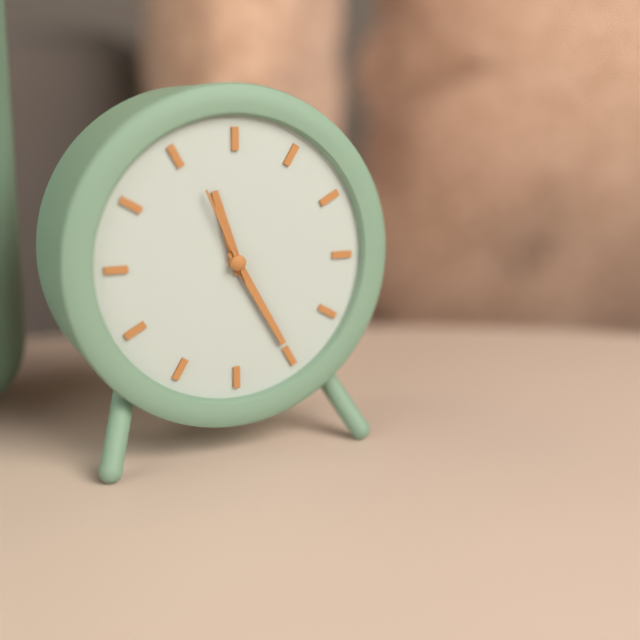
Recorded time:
11h25m56s
